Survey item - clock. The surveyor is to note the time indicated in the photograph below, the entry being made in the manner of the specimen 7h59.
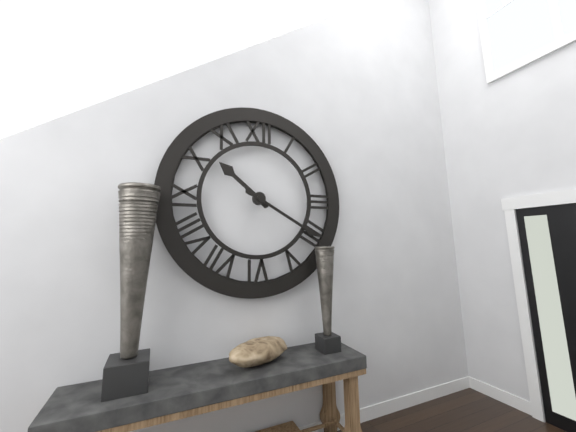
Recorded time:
10h20
